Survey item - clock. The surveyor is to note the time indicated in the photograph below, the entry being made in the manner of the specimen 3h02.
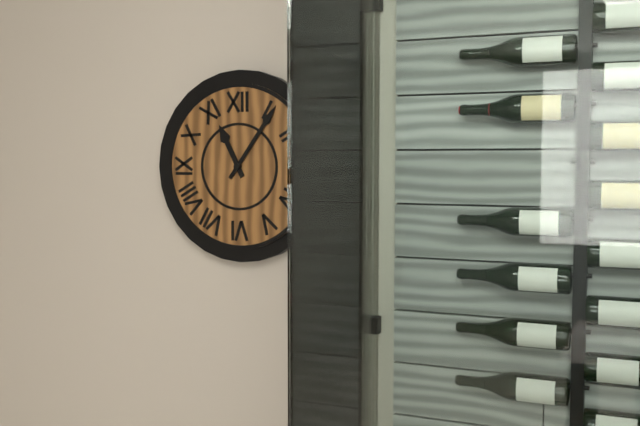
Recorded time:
11h06
